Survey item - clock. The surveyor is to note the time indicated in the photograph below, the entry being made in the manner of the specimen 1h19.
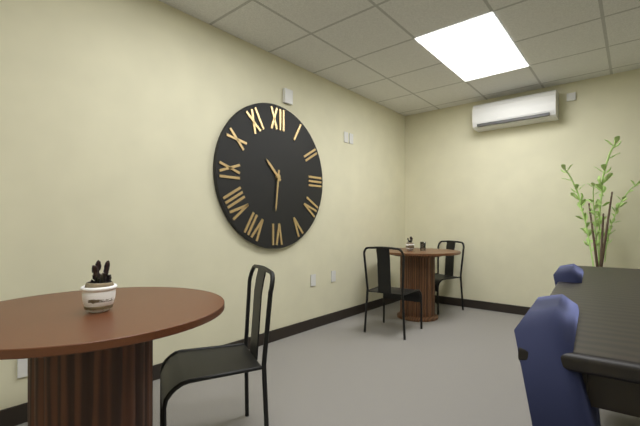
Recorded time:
10h31
